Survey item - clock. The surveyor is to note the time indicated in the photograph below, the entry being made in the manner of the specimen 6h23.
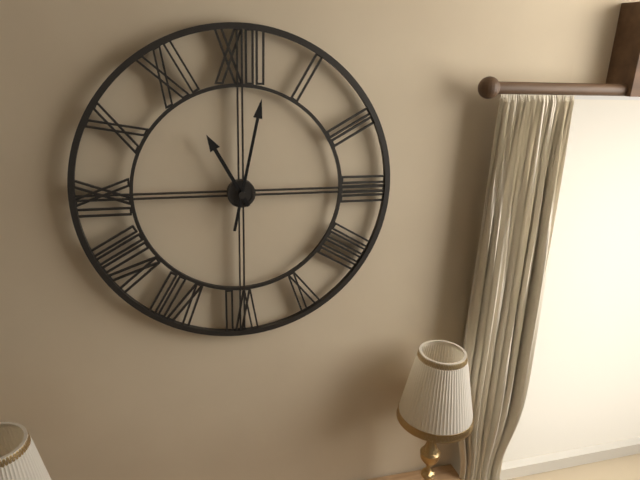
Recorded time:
11h02
